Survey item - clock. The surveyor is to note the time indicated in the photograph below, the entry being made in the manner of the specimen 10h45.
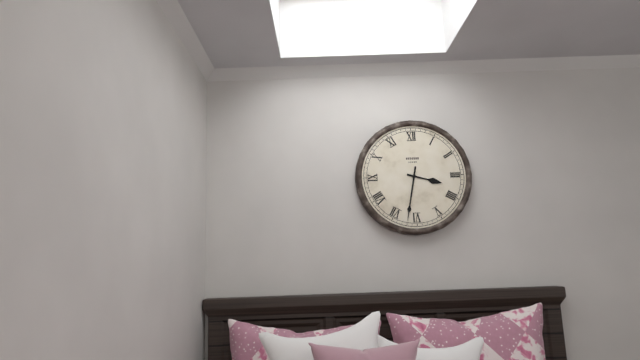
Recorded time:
3h32
